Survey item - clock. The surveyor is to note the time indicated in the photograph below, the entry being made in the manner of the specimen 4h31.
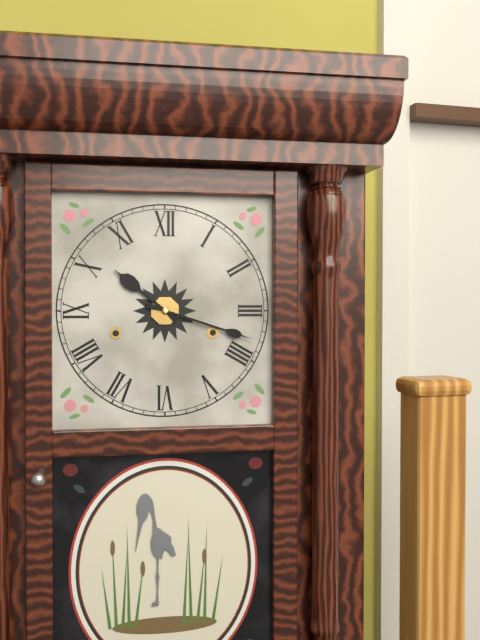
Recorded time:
10h18
